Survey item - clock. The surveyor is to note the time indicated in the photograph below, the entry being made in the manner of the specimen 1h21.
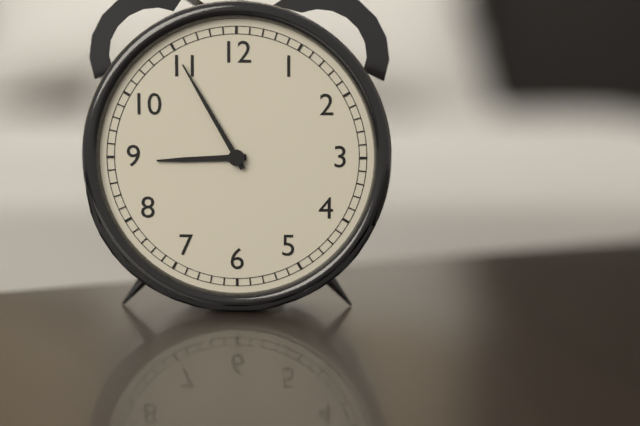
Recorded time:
8h55
